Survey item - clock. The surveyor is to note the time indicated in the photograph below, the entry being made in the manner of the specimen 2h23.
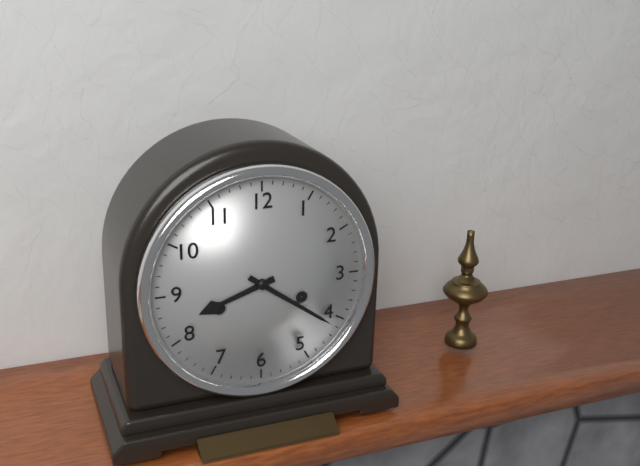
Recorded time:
8h21
